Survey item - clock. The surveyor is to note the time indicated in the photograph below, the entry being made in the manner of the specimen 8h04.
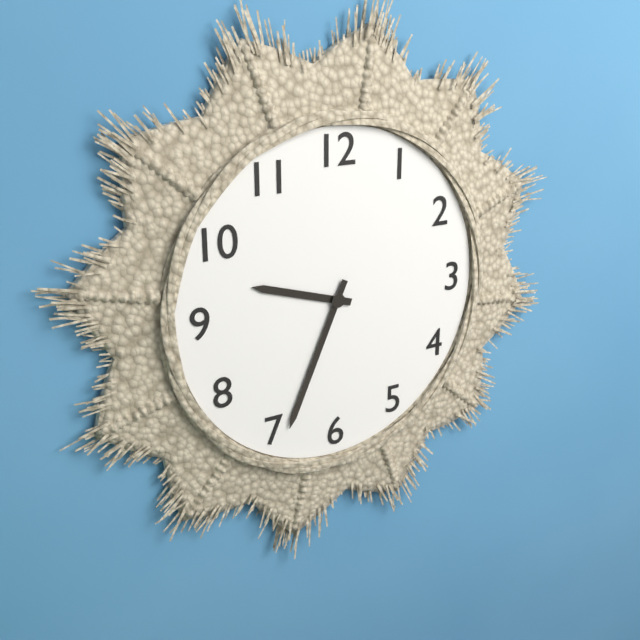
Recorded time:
9h34
